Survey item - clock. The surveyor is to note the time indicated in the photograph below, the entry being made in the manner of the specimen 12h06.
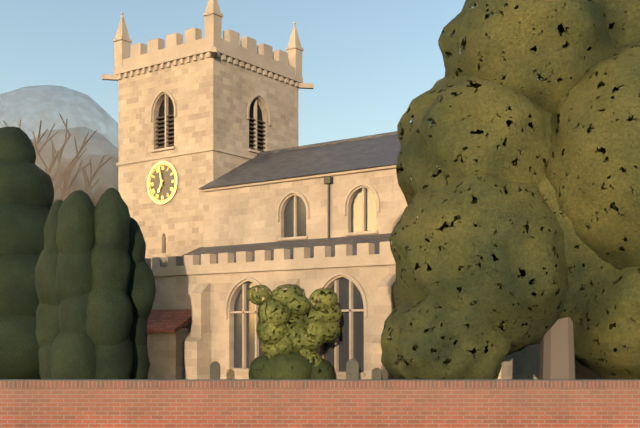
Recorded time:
6h58
